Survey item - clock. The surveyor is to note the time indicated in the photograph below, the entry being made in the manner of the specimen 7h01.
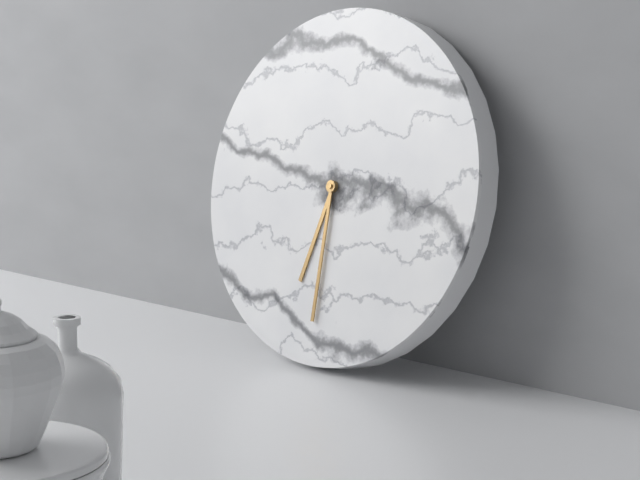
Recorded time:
6h30
